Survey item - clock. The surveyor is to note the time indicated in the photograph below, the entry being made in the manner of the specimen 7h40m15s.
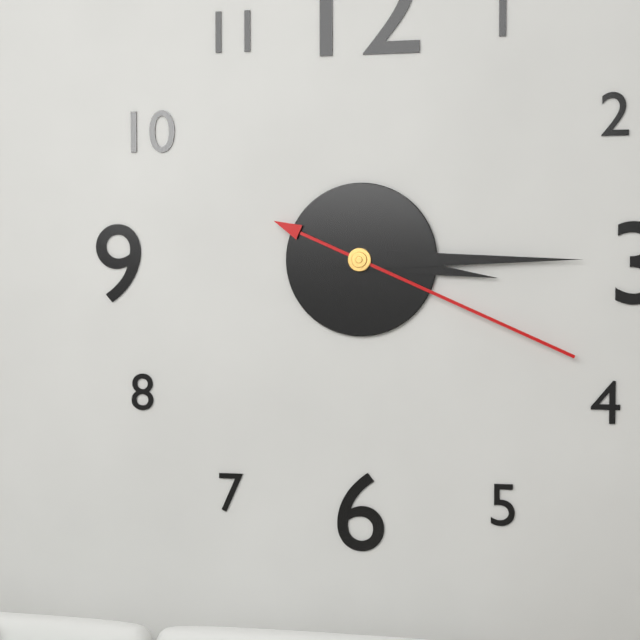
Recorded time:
3h15m19s
